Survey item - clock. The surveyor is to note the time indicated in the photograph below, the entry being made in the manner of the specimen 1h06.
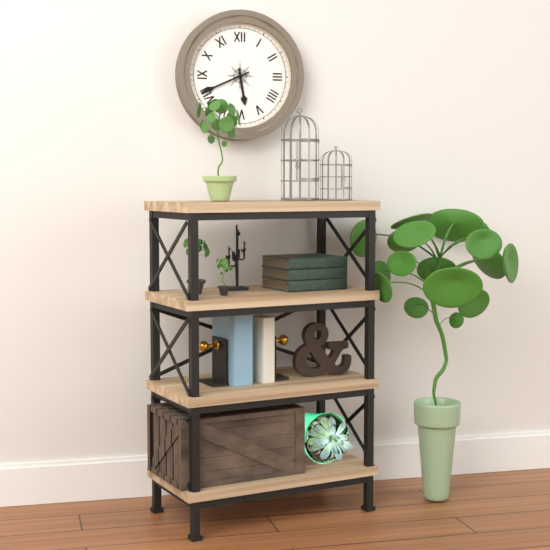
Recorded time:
5h41
